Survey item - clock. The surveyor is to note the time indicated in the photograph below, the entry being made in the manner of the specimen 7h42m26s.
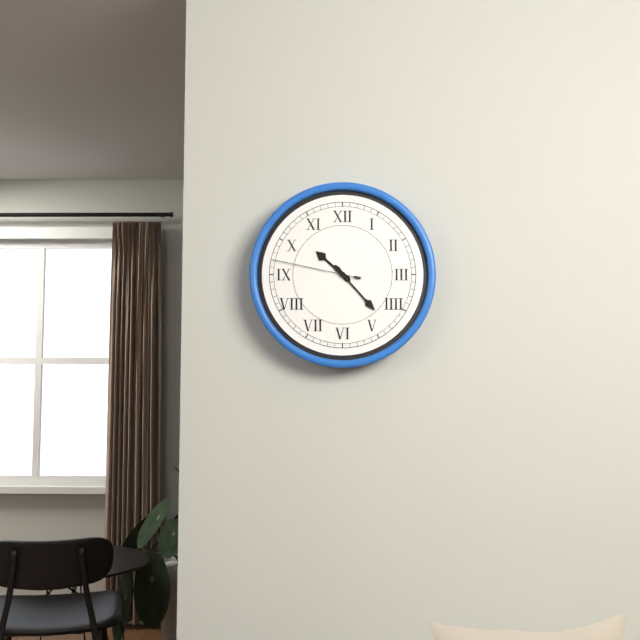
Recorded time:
10h23m47s
